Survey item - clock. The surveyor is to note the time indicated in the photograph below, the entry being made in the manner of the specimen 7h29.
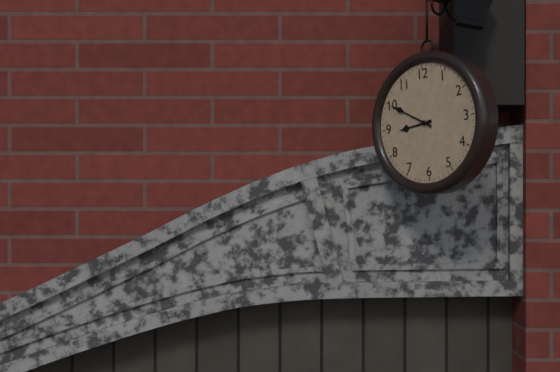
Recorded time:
8h50
